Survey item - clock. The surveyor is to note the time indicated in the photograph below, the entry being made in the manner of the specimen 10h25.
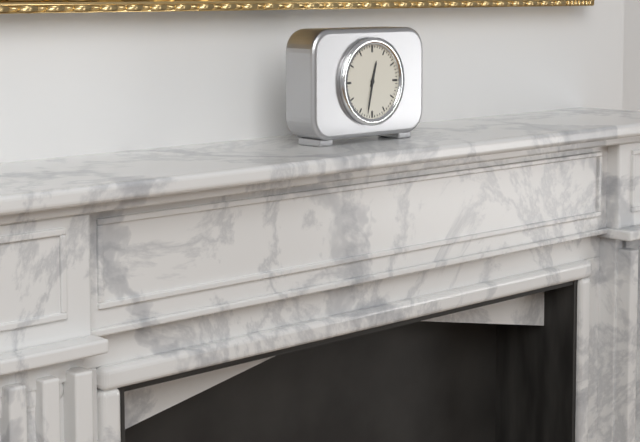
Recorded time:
12h32
